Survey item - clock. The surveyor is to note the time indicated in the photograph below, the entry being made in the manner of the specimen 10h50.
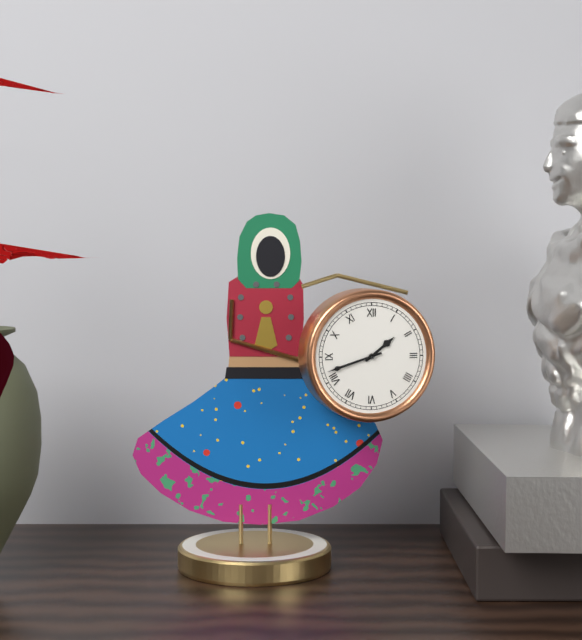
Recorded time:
1h42
